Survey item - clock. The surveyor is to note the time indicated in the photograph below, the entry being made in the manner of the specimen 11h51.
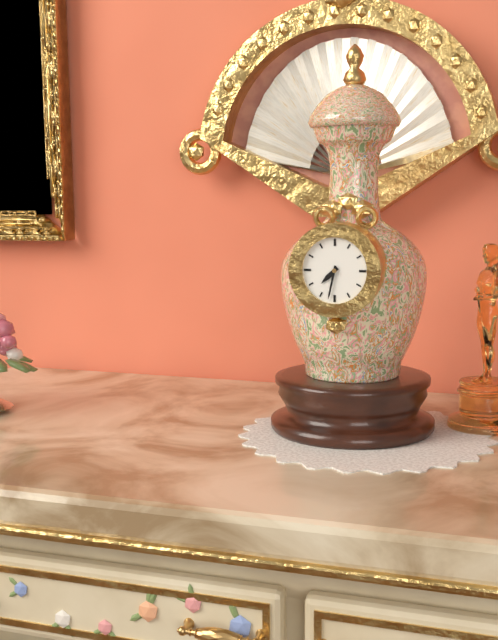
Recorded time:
7h32
